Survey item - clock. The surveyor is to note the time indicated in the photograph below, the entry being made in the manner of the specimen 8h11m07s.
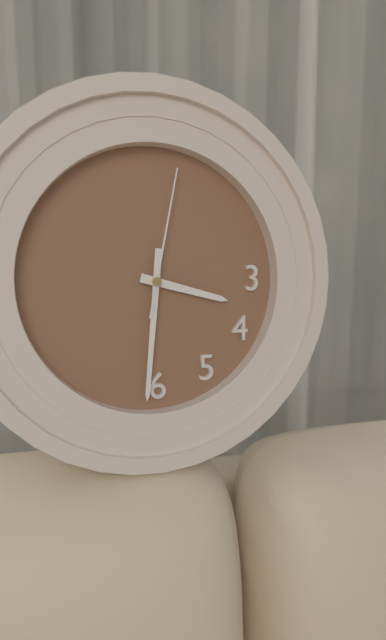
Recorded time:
3h31m02s
